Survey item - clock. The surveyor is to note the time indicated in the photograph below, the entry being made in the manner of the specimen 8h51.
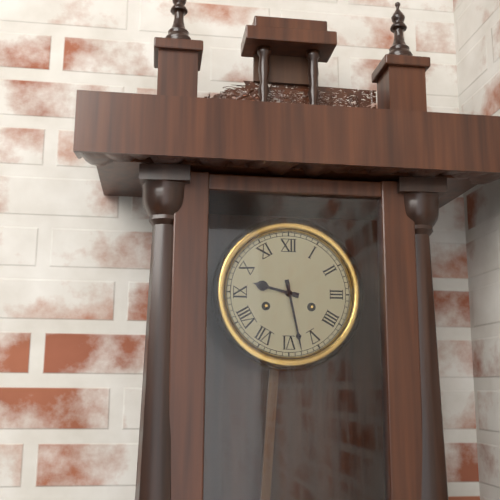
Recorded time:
9h28
